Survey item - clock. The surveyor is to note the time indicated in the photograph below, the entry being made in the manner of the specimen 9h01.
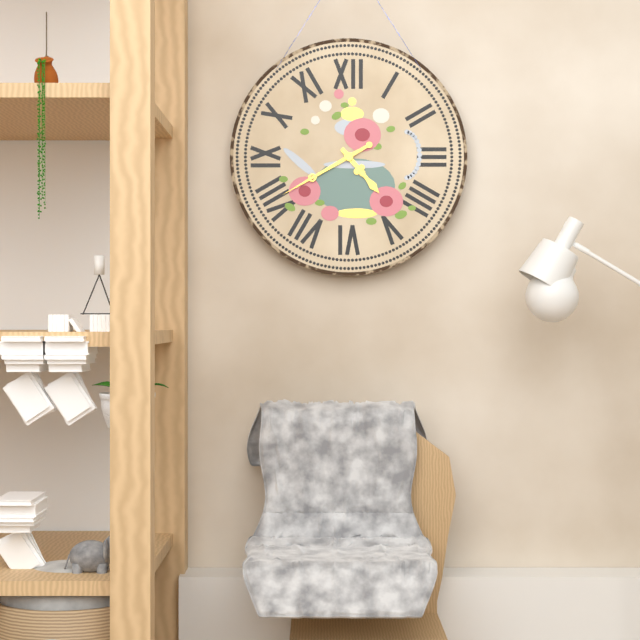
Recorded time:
4h40
